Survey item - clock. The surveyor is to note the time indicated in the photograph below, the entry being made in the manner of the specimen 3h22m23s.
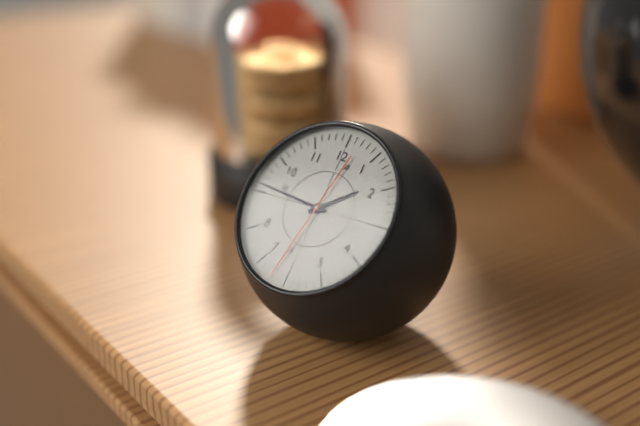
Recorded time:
1h46m32s
